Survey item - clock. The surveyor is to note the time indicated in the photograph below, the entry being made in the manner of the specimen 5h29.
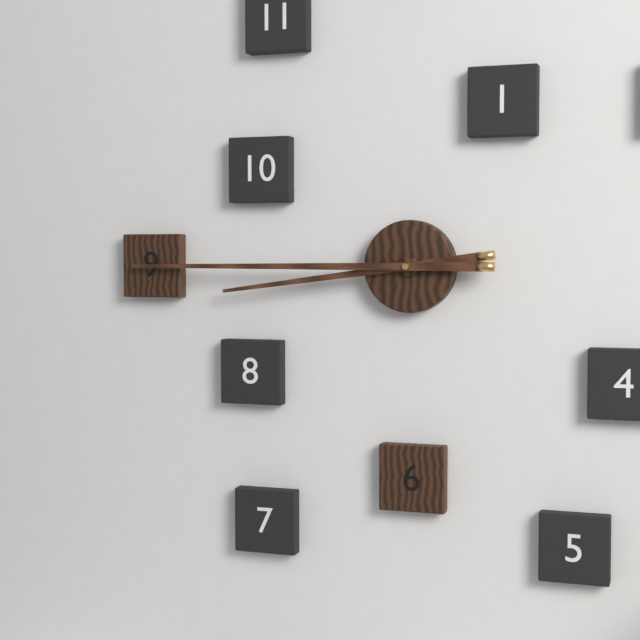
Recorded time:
8h45
